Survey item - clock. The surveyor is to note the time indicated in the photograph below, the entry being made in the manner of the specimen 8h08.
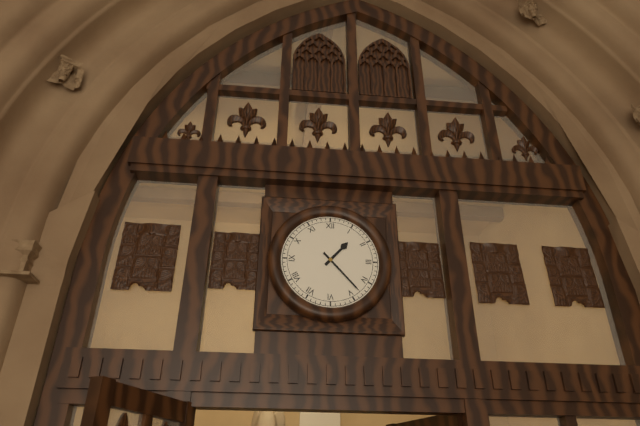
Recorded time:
1h23
